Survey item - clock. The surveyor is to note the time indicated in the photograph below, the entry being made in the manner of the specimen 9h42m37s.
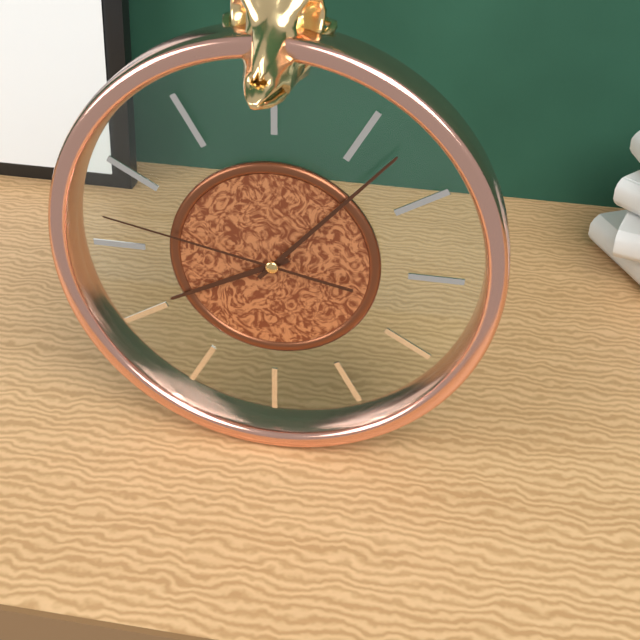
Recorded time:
8h07m47s
